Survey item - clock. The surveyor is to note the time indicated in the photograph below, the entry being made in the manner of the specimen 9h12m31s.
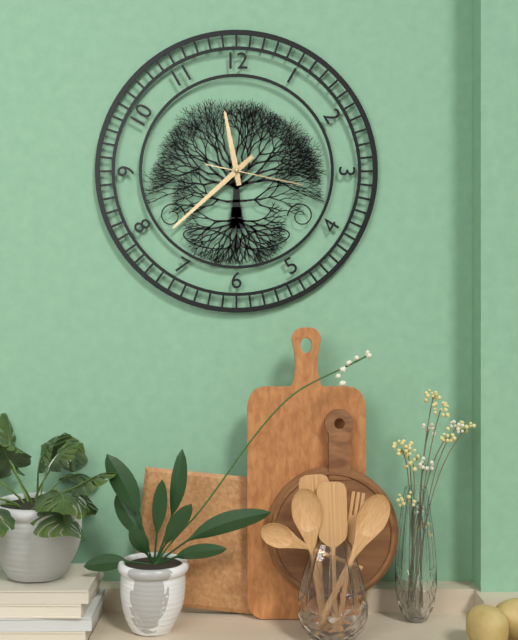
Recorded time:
11h38m17s
